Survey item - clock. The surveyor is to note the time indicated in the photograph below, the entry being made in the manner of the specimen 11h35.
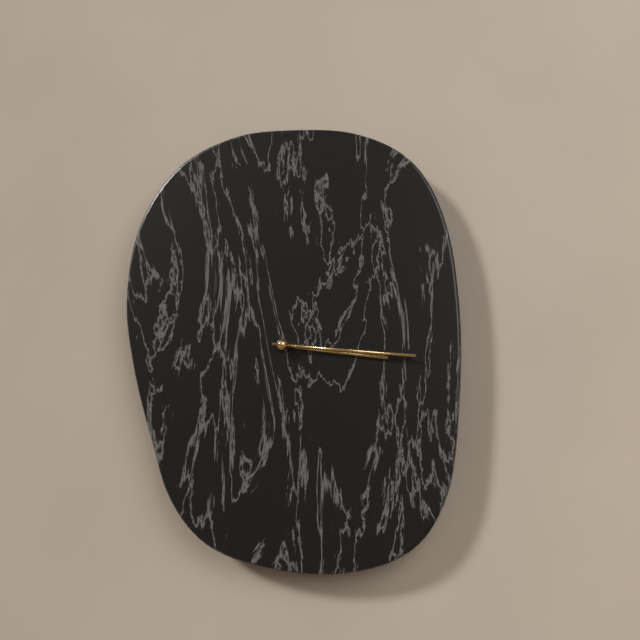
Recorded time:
3h16
